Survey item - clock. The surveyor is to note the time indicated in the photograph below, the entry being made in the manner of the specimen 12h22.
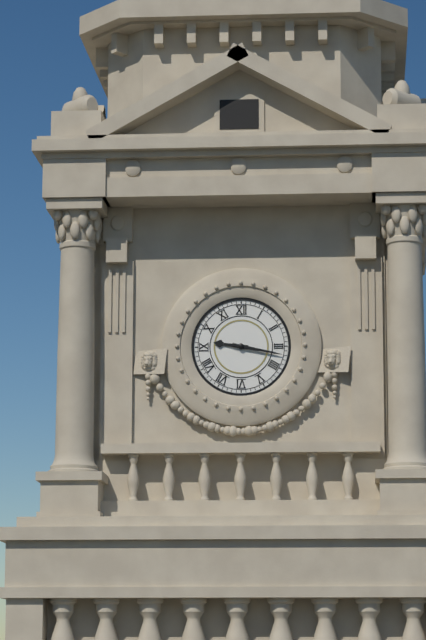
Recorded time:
9h17
